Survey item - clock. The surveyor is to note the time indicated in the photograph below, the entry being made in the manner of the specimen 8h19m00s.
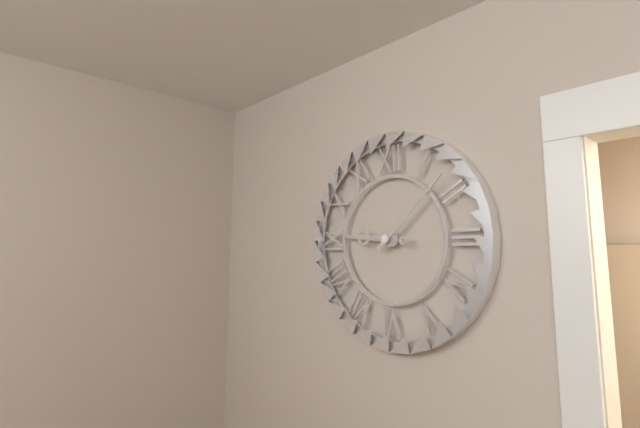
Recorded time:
9h08m46s
